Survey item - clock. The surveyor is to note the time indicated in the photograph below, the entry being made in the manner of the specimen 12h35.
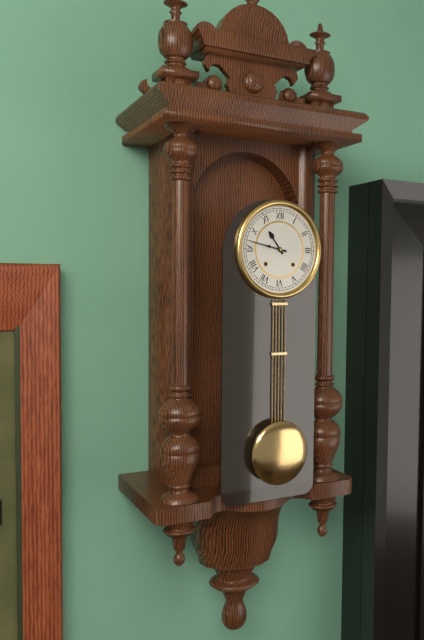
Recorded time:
10h47
